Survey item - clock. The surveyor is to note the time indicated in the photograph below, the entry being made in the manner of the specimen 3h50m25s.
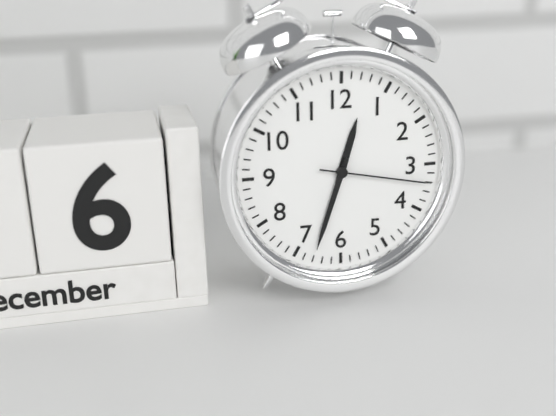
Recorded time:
12h33m17s
